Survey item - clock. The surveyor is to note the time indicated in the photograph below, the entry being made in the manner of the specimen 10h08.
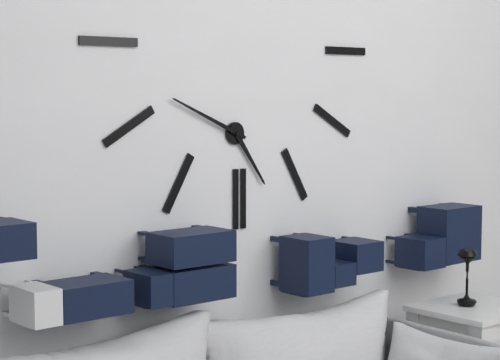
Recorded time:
4h49
